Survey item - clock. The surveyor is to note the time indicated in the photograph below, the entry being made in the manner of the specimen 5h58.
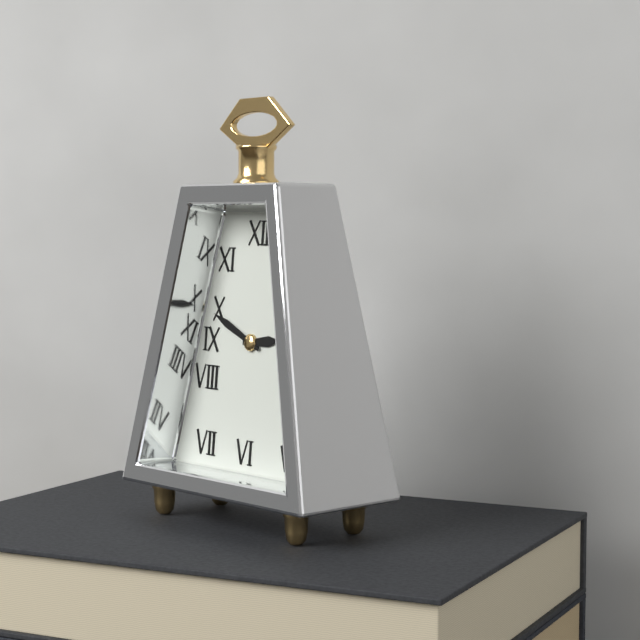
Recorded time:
2h49
